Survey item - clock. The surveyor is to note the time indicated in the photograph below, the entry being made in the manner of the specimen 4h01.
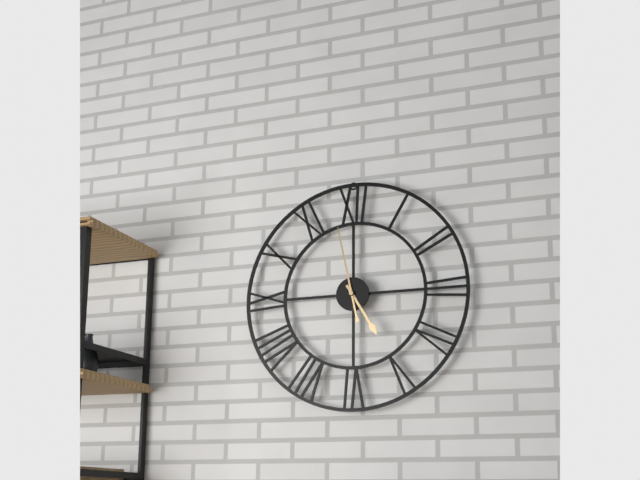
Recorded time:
4h58
